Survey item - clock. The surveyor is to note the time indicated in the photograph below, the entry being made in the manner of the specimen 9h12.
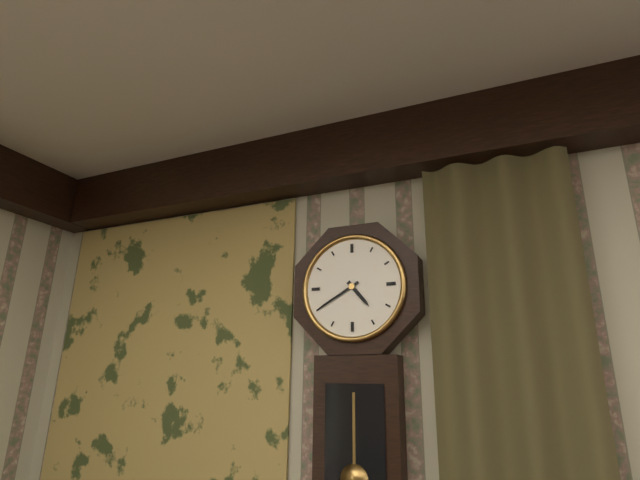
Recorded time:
4h40
